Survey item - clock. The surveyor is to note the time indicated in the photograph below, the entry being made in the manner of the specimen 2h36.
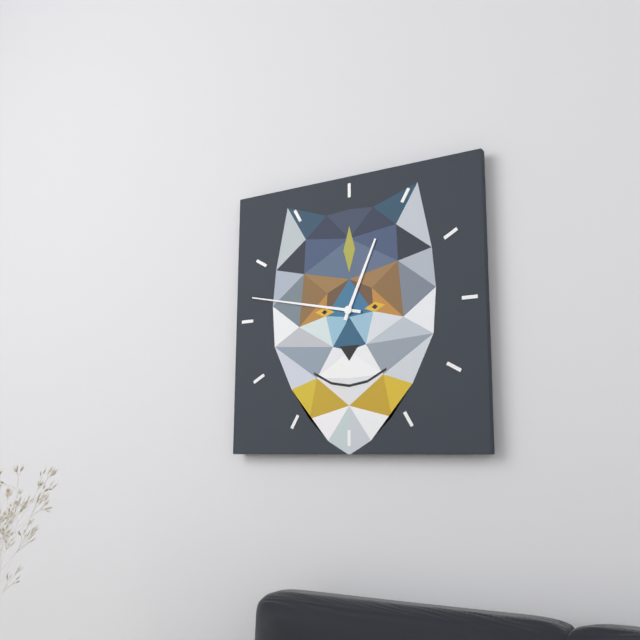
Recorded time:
12h47
